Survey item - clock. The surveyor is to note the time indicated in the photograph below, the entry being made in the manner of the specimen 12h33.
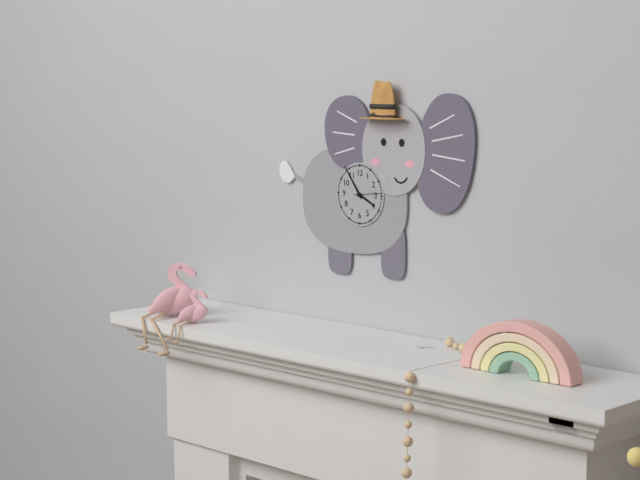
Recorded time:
3h54
